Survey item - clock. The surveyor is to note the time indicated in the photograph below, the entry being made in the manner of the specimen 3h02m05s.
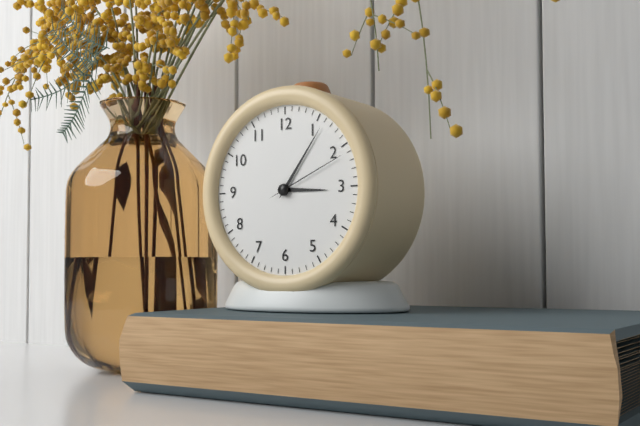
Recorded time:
3h06m11s
